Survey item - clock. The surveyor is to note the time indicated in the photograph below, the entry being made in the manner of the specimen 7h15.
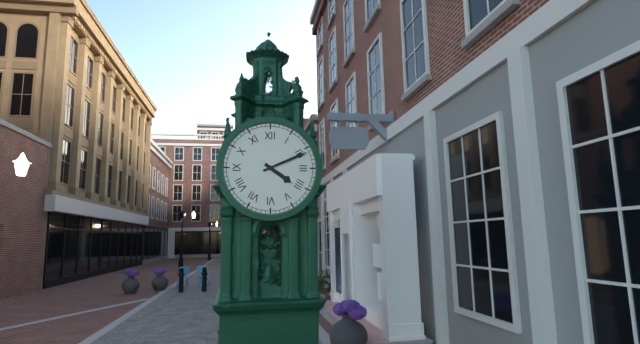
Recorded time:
4h11
